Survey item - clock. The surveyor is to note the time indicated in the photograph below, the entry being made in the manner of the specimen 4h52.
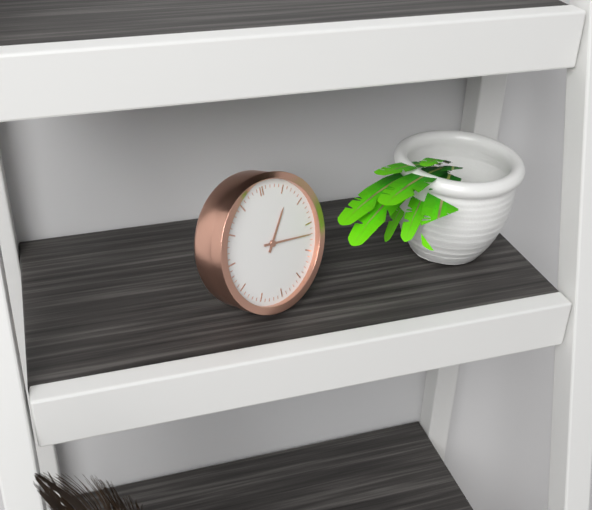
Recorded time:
1h17
